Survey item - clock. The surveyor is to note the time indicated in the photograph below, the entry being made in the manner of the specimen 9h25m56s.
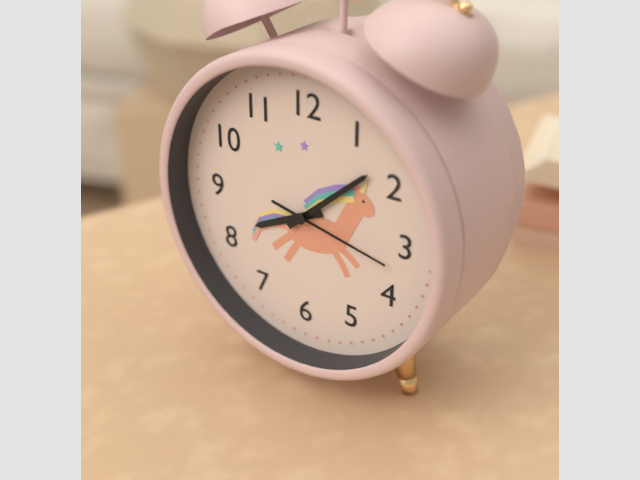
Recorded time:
8h08m17s
